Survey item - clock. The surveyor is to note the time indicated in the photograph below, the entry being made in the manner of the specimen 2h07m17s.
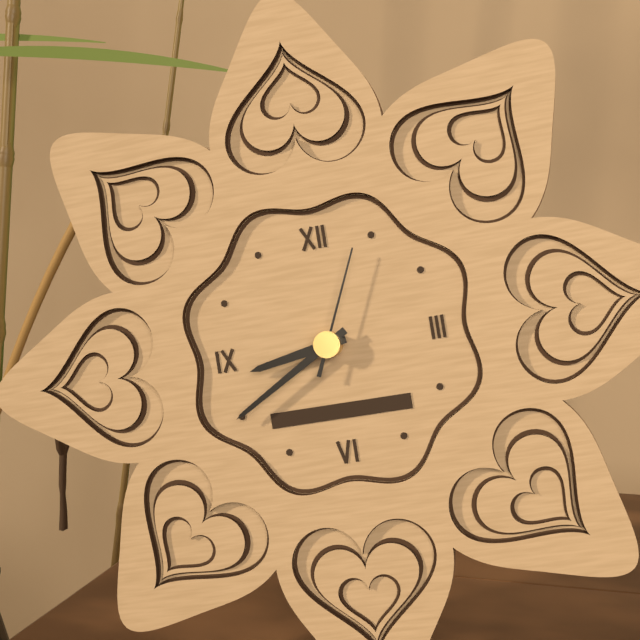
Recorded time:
8h40m04s
